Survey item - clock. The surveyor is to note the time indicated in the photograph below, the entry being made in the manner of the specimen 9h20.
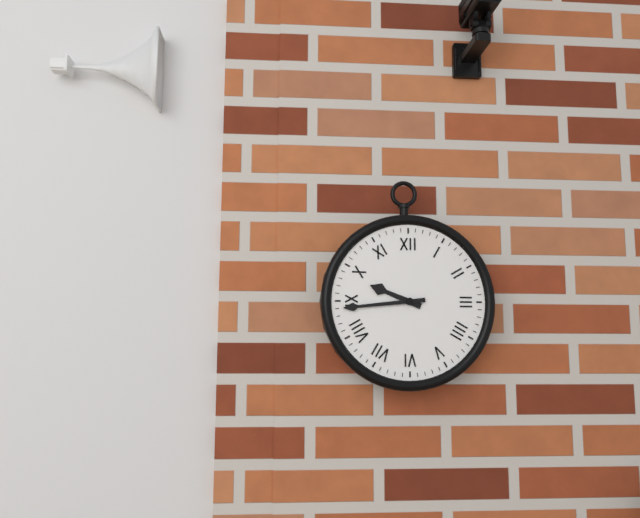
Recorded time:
9h44
